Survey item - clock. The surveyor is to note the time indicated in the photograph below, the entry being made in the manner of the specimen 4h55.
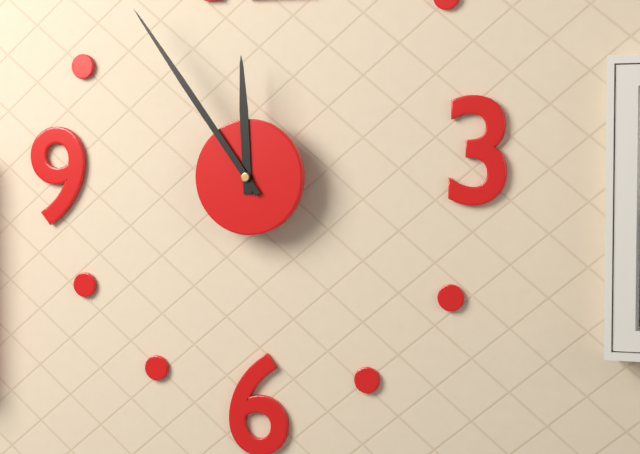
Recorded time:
11h54
